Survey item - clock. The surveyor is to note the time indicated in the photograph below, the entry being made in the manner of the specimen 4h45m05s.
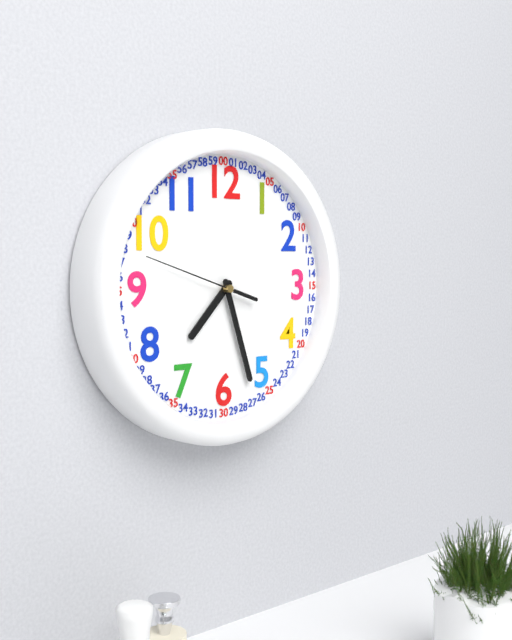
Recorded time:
7h27m48s
